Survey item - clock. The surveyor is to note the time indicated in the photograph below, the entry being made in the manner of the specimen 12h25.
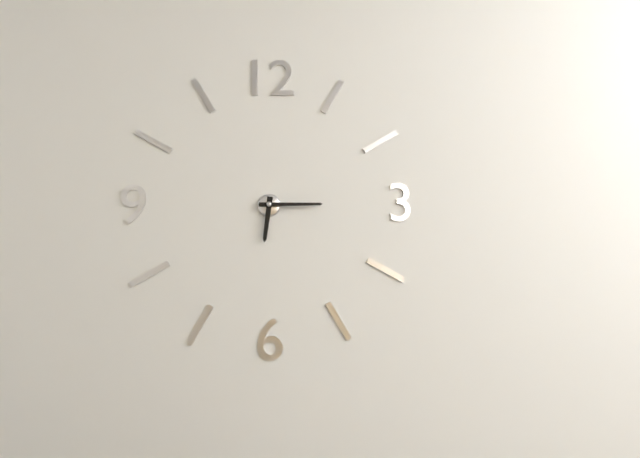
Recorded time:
6h15
